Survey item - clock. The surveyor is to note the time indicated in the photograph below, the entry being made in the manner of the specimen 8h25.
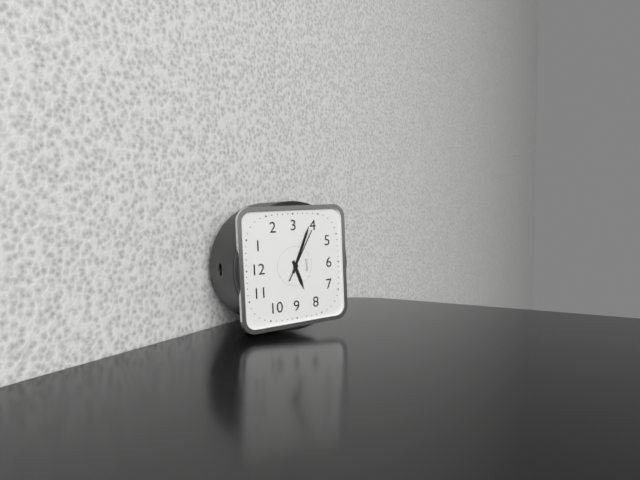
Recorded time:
8h19
